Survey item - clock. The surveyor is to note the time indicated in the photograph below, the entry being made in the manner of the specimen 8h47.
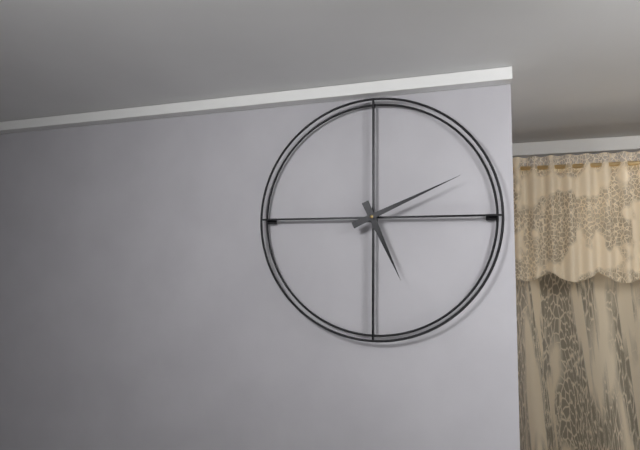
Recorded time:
5h11
